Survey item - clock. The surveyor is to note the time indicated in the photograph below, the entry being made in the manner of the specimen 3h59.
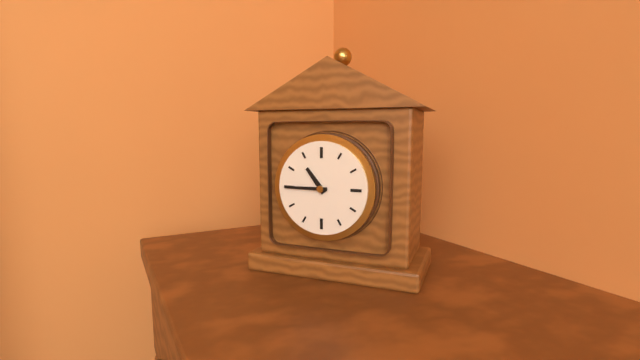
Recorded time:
10h45
